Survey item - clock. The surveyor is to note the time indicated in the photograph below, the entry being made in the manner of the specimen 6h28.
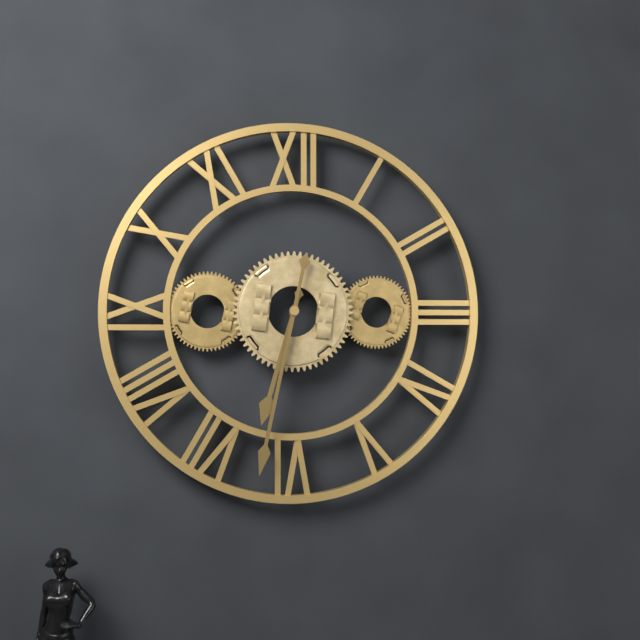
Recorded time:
6h32
